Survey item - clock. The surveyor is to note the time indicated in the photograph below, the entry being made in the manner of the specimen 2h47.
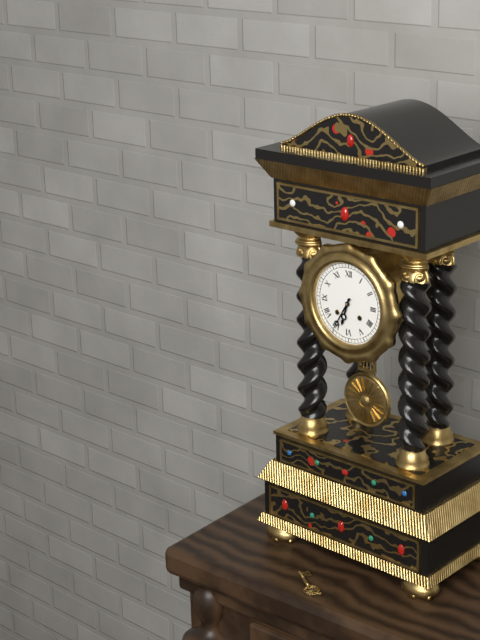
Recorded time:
6h35
